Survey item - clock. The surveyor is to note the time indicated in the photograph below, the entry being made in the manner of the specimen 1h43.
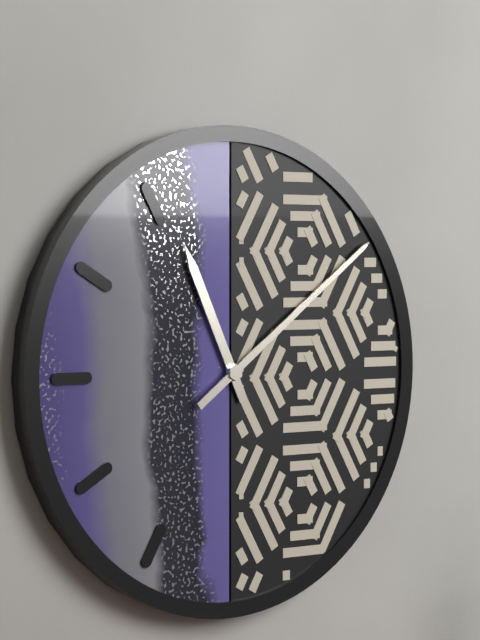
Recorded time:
11h09
